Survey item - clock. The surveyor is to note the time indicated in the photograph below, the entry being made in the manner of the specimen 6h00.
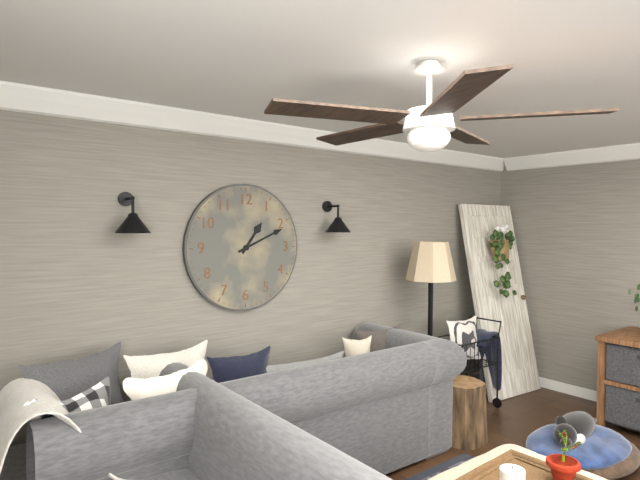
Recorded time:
1h11
